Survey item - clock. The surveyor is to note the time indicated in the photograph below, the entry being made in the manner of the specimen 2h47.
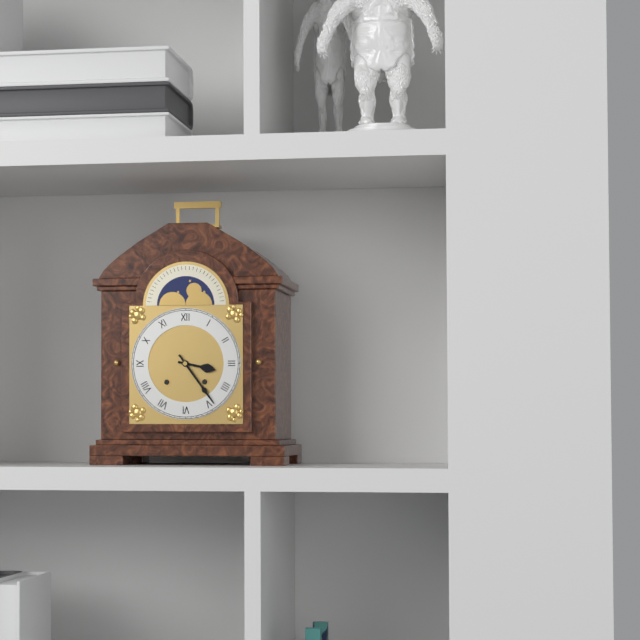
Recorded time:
3h24
